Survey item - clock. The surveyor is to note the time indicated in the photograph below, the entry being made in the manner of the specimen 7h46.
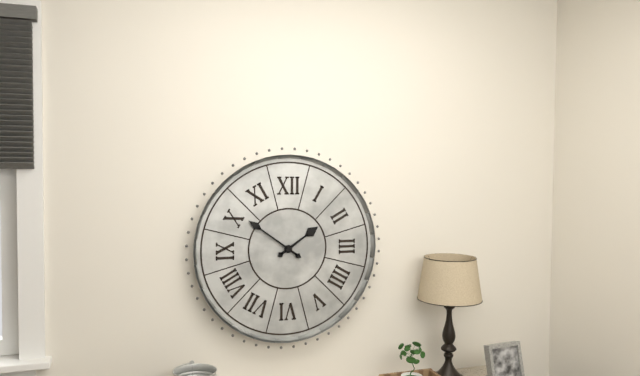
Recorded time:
1h51
